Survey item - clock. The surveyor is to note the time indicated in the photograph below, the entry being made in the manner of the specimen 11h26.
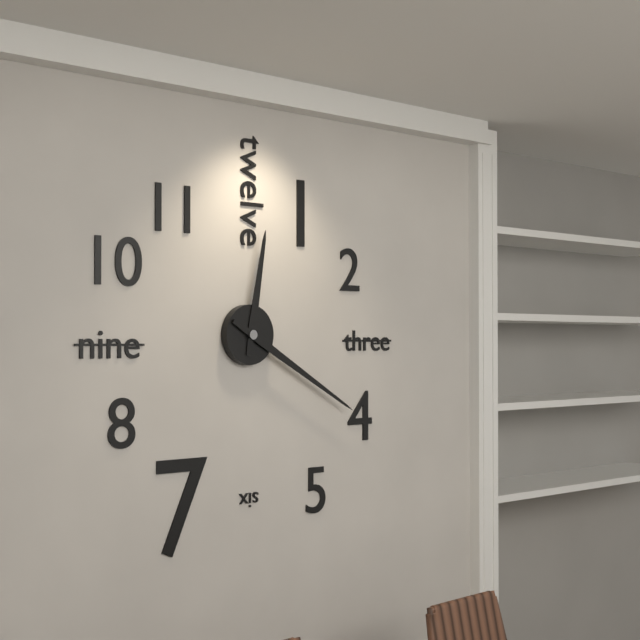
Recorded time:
12h20
